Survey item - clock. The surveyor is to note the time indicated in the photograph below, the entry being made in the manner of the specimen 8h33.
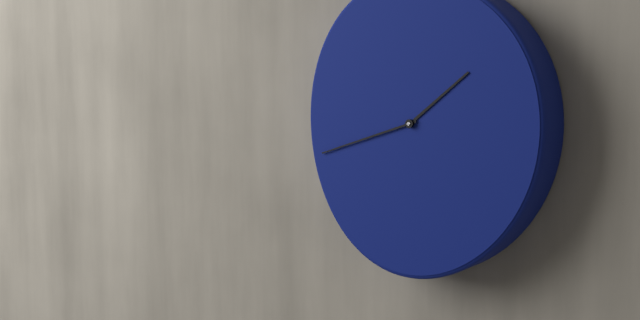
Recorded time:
1h42
